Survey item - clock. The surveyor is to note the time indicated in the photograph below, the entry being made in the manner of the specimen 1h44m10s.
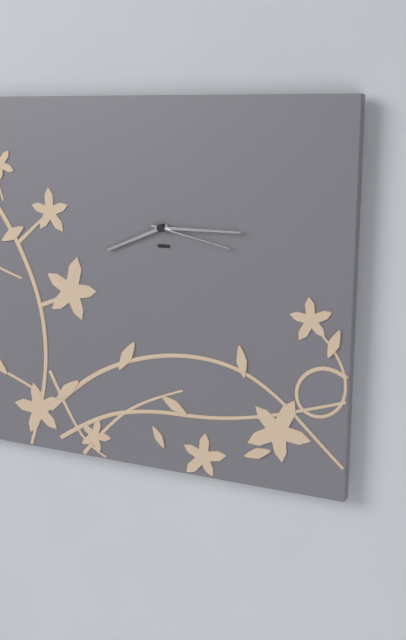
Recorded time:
8h15m17s
